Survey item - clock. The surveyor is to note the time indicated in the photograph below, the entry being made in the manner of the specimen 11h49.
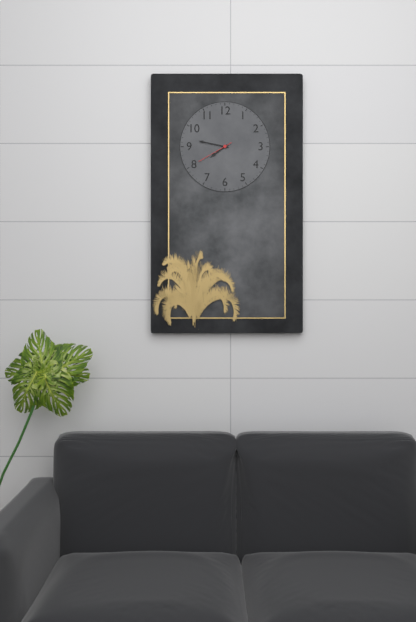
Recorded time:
7h47
